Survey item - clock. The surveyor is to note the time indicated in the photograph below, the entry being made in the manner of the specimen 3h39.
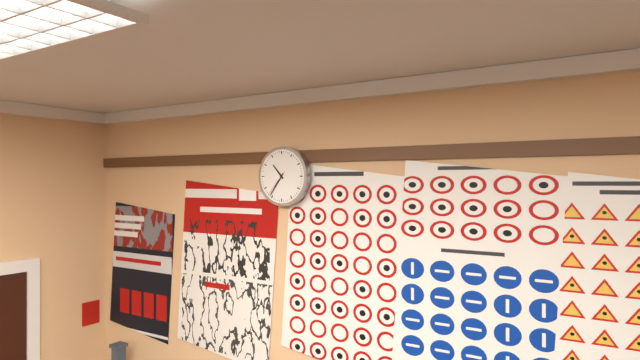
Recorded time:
10h36
